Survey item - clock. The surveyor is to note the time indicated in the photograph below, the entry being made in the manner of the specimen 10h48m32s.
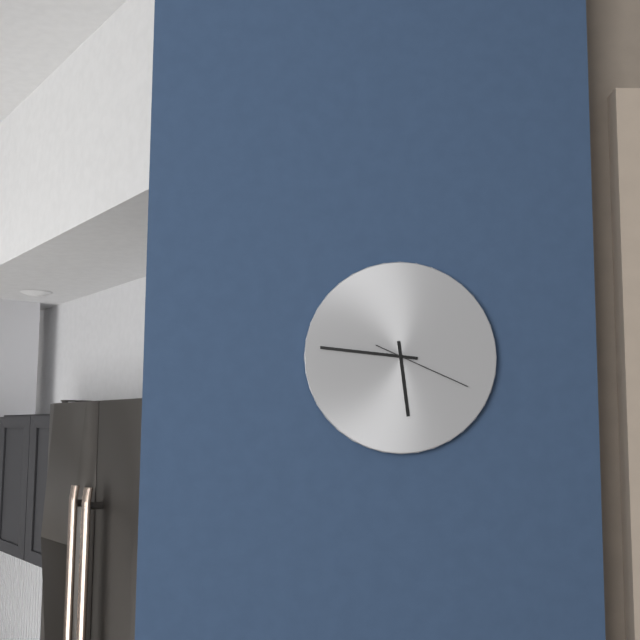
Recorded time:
5h46m19s
